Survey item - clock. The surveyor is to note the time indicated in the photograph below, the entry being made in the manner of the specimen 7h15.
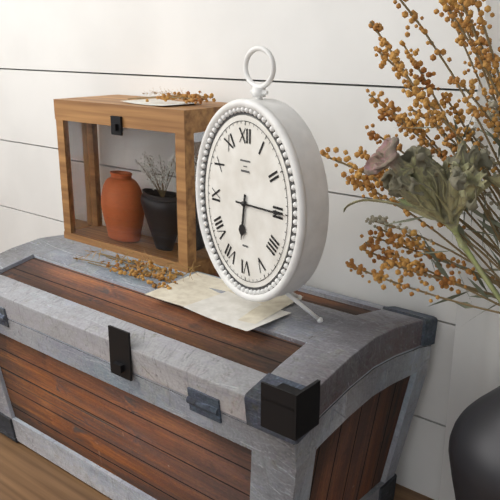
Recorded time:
6h15
